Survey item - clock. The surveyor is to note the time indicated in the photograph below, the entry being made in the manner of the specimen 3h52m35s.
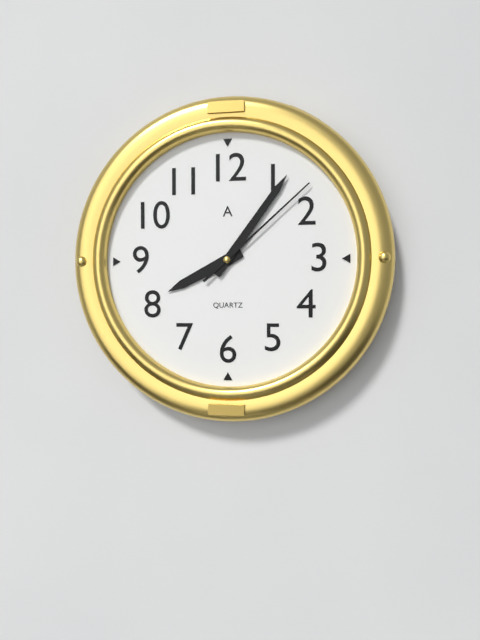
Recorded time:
8h06m08s
